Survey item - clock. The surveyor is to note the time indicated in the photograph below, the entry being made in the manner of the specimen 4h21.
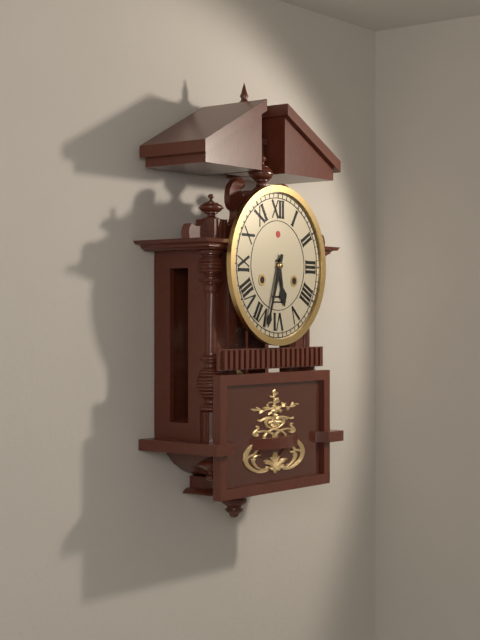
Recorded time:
5h33
